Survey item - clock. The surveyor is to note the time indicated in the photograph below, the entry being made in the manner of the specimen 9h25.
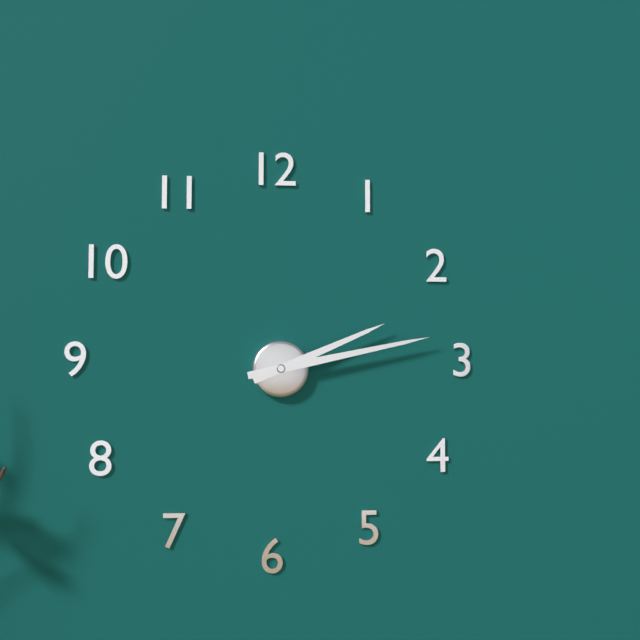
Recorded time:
2h13
